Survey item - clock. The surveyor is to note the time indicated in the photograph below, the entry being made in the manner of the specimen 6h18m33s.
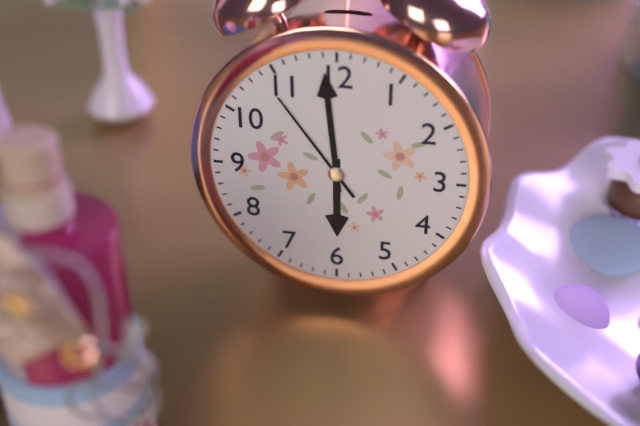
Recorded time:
5h59m54s
